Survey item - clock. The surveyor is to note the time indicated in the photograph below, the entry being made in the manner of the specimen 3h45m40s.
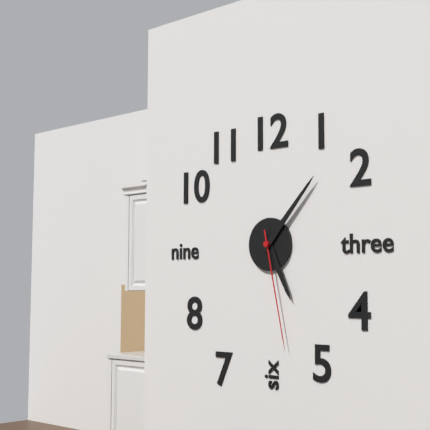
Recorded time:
5h07m28s
